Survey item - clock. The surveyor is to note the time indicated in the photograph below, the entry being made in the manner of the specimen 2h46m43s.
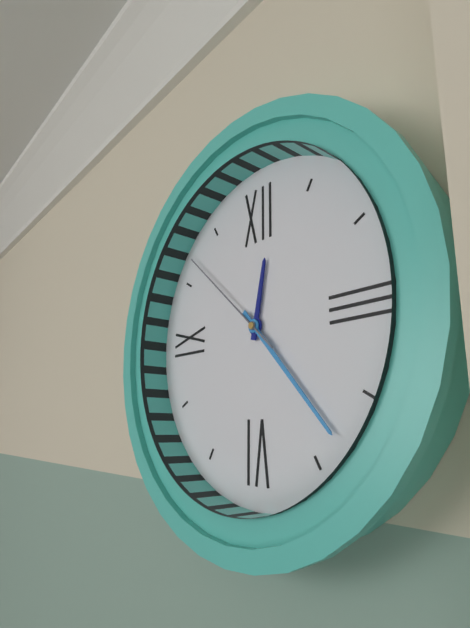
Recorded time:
12h23m52s
